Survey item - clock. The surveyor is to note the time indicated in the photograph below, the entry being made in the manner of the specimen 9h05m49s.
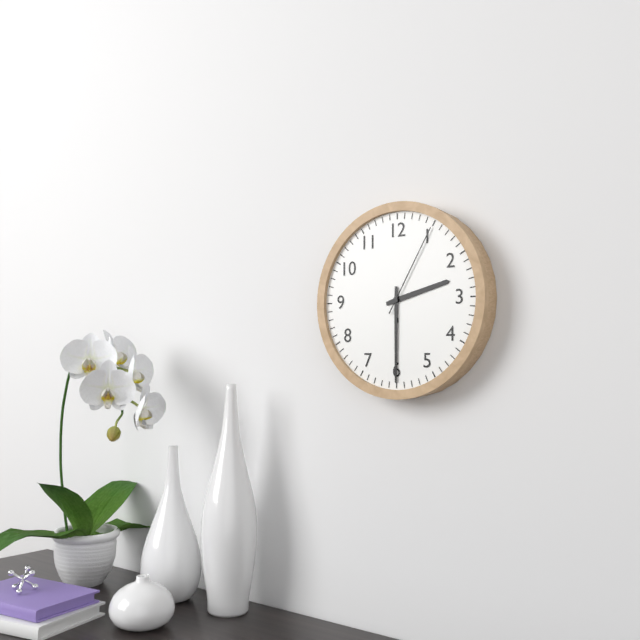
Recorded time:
2h30m05s
